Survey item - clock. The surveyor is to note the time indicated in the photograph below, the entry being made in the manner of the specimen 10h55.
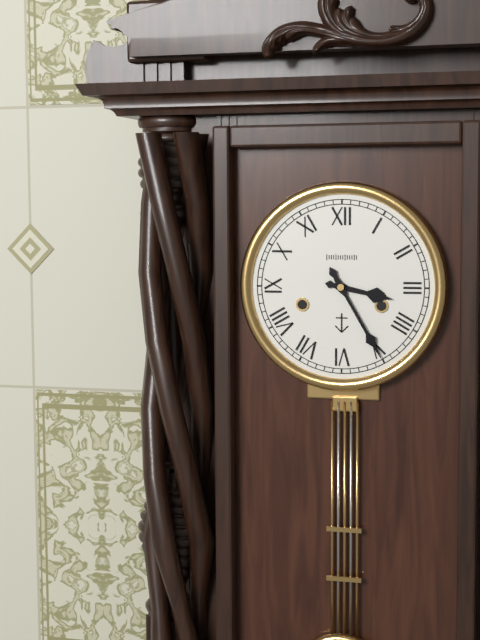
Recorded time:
3h25
